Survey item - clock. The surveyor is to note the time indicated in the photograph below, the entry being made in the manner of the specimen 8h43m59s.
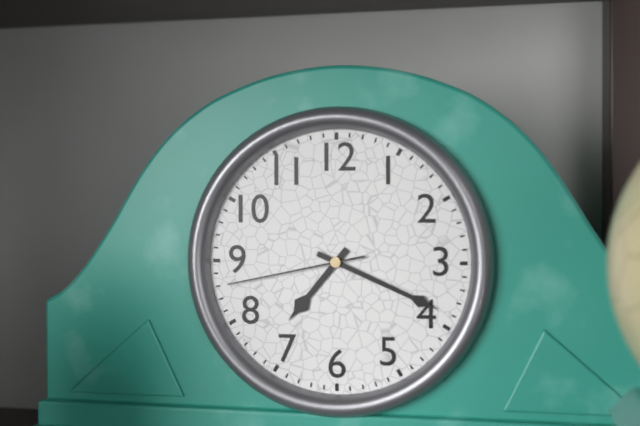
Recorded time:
7h19m43s
